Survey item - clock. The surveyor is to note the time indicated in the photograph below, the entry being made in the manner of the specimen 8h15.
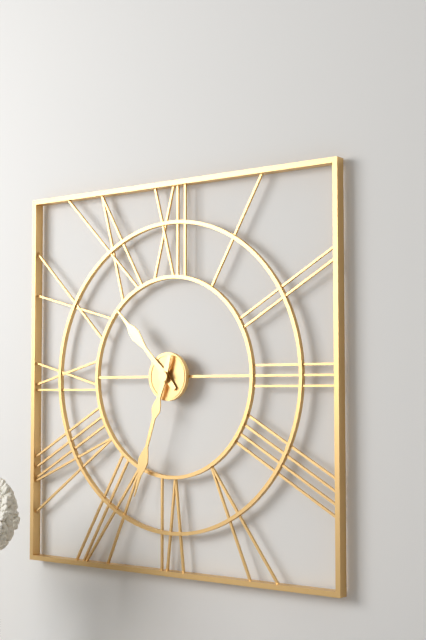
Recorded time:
10h33
